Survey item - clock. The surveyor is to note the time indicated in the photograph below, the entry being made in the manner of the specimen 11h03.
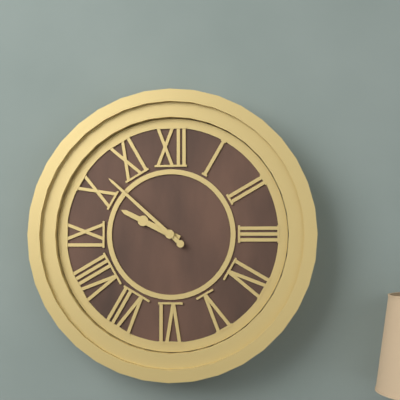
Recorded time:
9h52
